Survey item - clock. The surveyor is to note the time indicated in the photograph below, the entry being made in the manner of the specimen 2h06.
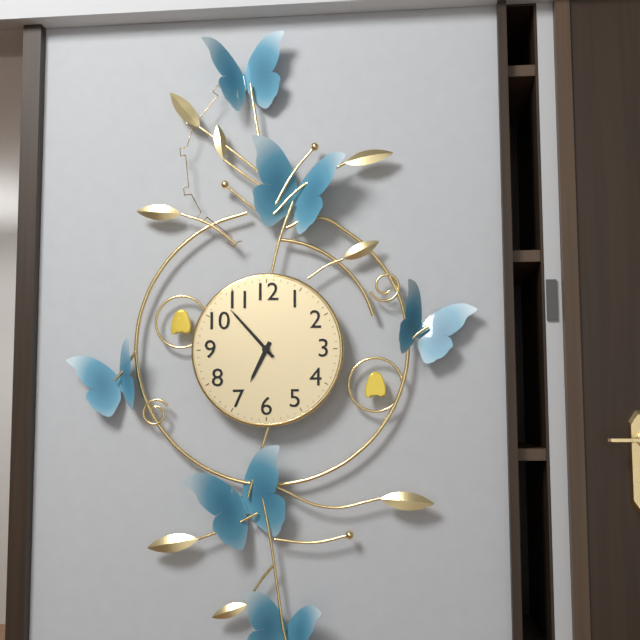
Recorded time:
6h53
